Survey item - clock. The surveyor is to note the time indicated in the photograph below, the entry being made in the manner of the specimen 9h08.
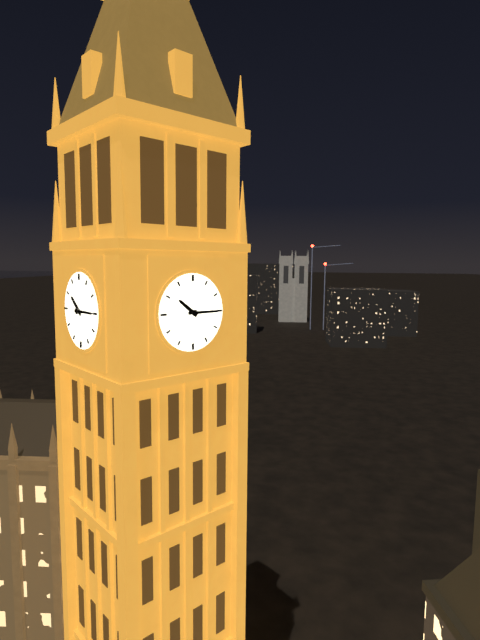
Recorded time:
10h15
